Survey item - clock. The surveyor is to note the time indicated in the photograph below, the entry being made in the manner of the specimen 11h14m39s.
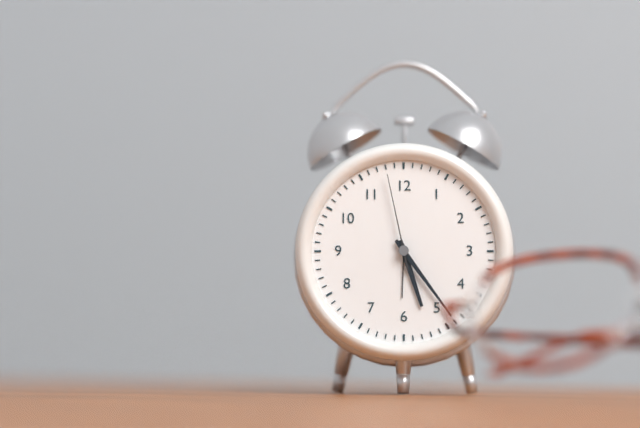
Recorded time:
5h24m58s
